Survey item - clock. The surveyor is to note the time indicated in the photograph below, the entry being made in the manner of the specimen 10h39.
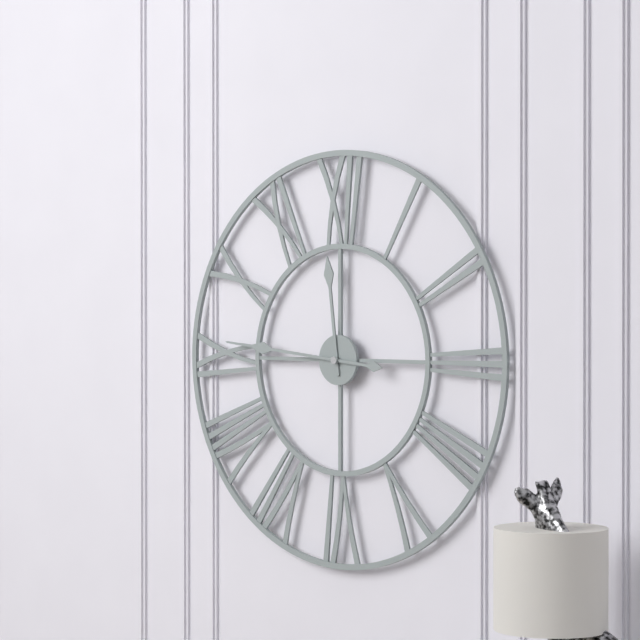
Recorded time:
11h46
